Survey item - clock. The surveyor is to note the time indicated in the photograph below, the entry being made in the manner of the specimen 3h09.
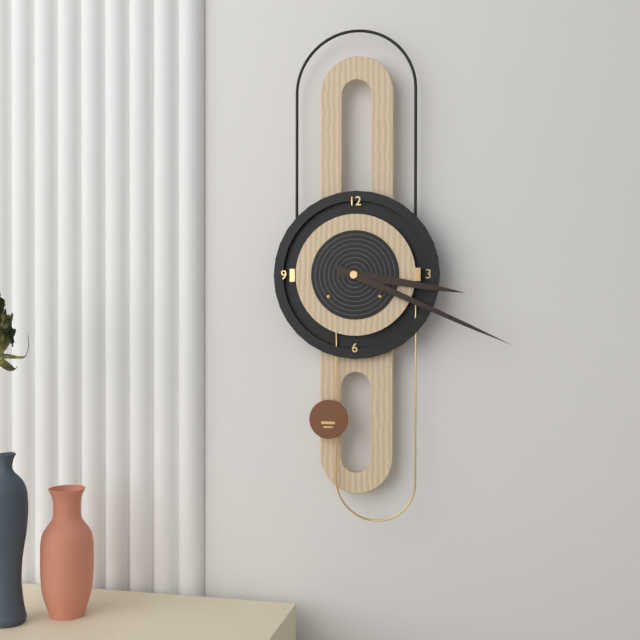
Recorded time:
3h19
